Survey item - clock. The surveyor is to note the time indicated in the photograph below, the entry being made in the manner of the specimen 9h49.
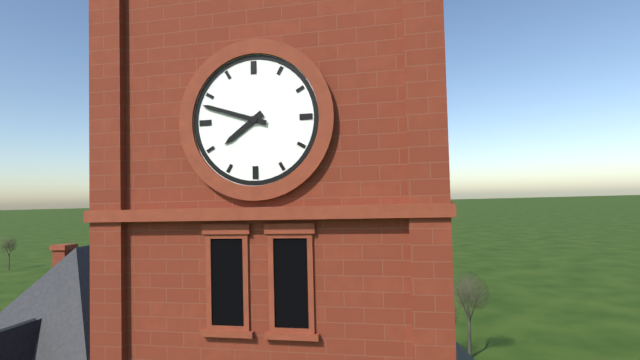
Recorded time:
7h48
